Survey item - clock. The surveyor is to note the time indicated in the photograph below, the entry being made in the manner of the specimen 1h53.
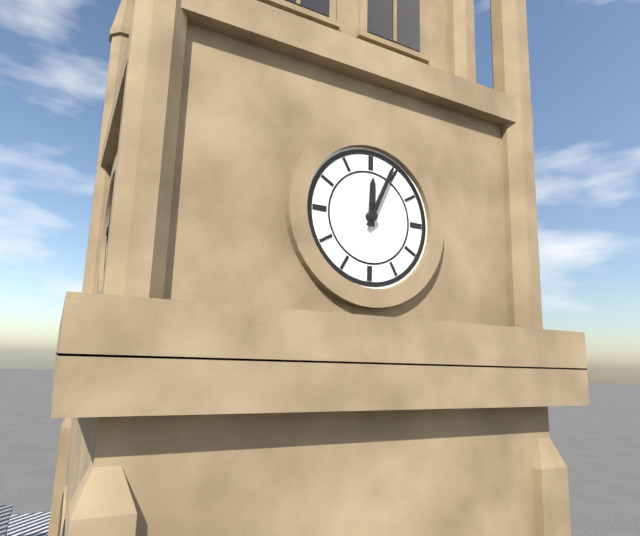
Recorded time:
12h04
